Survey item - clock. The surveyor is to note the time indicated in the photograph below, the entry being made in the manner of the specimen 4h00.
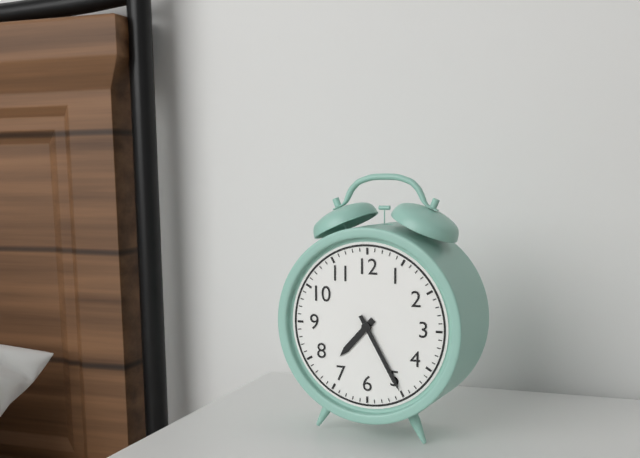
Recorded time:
7h25
